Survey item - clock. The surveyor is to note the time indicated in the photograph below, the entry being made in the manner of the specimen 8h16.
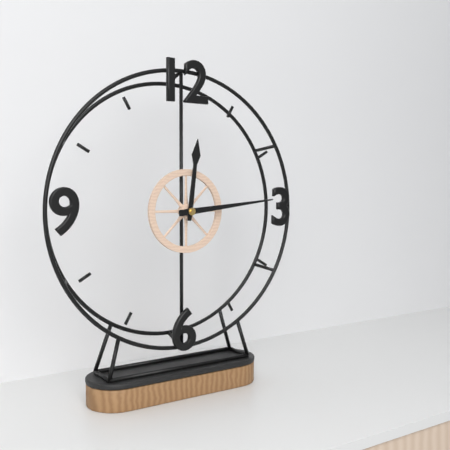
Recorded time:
12h14
